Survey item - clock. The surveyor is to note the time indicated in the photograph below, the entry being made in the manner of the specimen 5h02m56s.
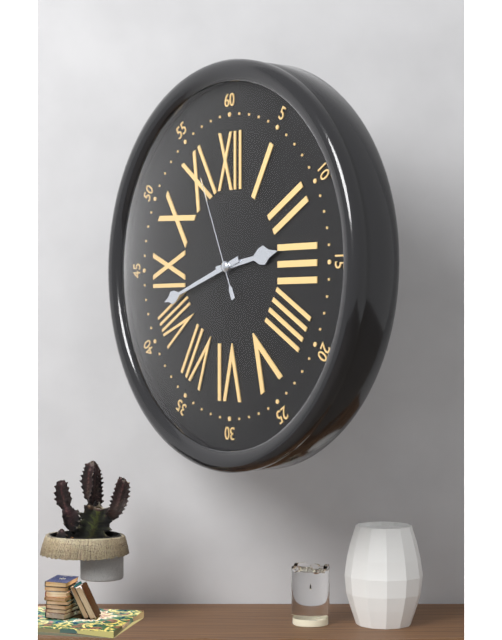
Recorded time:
2h42m56s
